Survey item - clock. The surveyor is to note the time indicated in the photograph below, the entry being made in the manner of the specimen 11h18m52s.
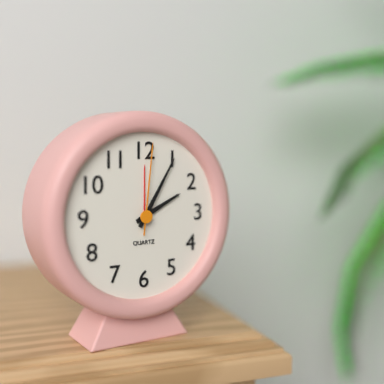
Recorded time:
2h05m01s
